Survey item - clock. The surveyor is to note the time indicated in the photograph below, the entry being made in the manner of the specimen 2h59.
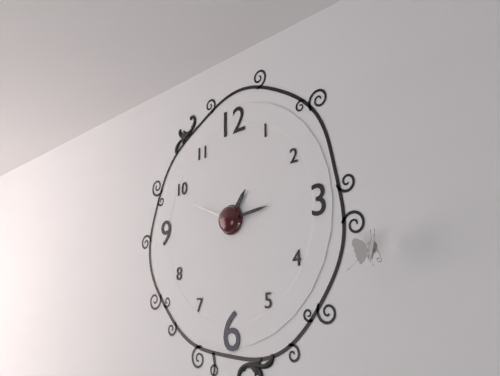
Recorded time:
1h14
